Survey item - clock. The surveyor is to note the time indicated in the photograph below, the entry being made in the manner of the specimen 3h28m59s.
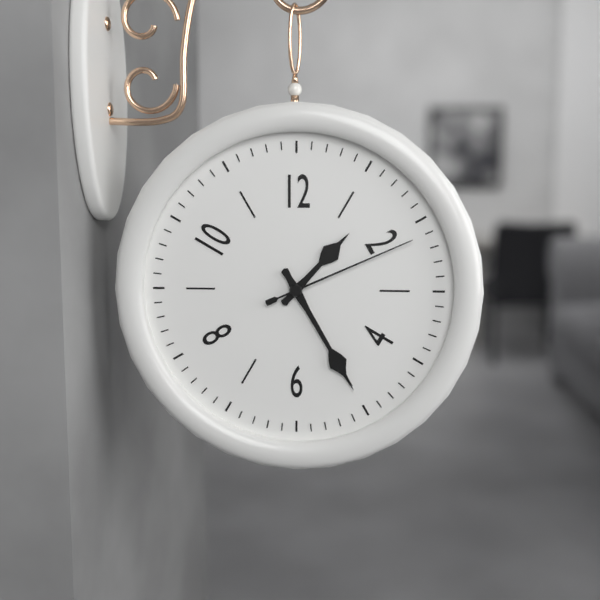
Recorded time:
1h25m11s
